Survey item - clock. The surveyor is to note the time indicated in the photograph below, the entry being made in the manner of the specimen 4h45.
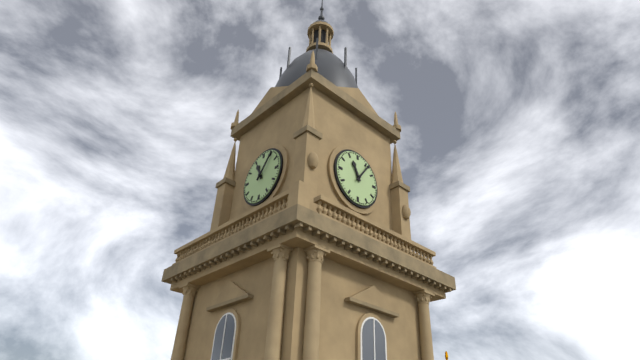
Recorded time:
11h06
